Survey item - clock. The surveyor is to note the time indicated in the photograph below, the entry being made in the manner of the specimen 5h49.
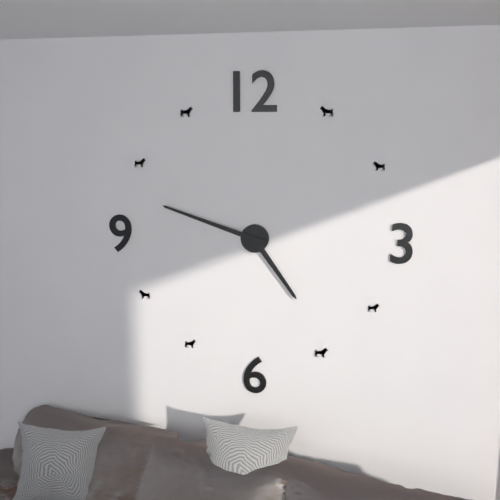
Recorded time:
4h48
